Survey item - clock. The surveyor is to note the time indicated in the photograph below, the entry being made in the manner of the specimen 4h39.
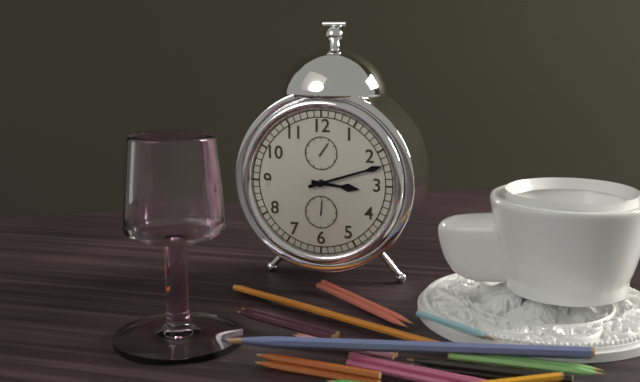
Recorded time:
3h12
